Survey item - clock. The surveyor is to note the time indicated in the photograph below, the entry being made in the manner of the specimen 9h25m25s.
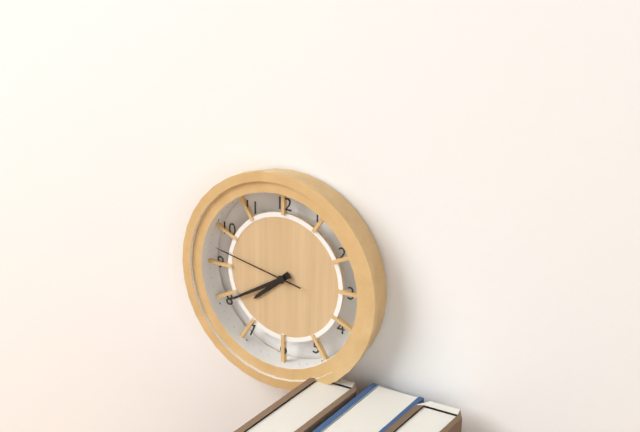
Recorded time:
7h40m47s
